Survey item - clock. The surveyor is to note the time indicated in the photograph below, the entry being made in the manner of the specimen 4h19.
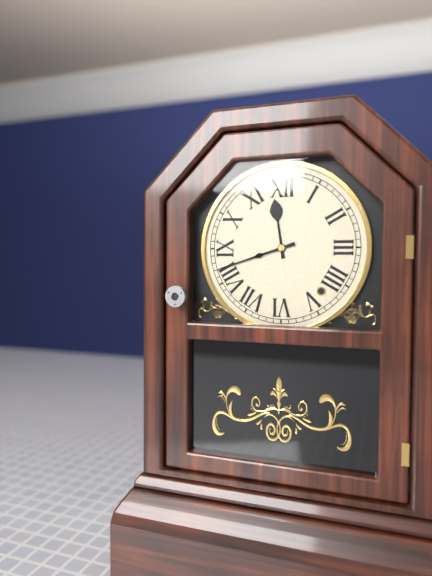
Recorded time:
11h42
